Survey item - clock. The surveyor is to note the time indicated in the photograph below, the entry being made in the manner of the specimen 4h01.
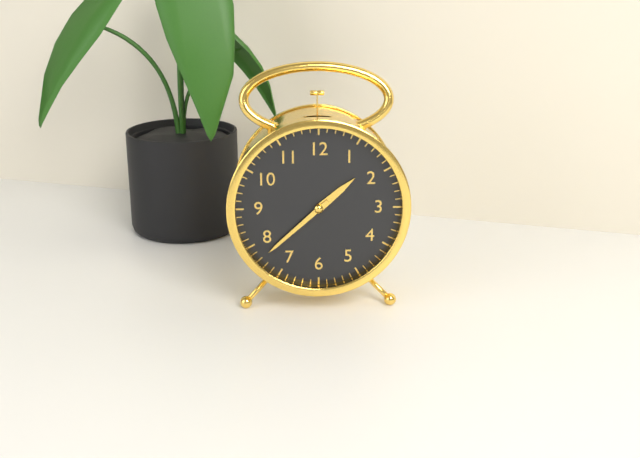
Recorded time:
1h38
